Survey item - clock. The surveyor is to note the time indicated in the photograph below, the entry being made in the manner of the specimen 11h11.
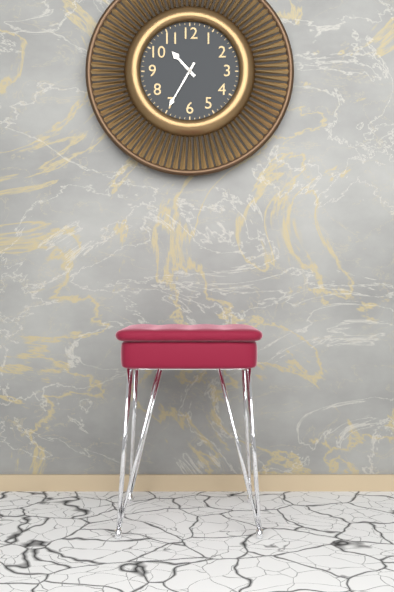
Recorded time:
10h35
